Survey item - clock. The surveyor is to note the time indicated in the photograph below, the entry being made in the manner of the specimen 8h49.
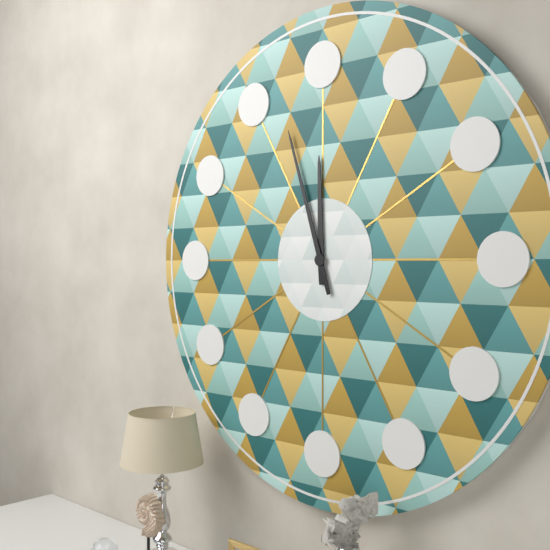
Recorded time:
11h57
